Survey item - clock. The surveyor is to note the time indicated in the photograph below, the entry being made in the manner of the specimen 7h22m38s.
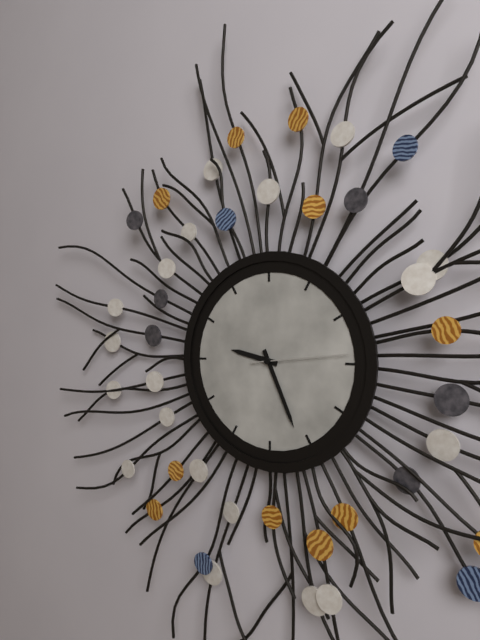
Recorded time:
9h26m14s
